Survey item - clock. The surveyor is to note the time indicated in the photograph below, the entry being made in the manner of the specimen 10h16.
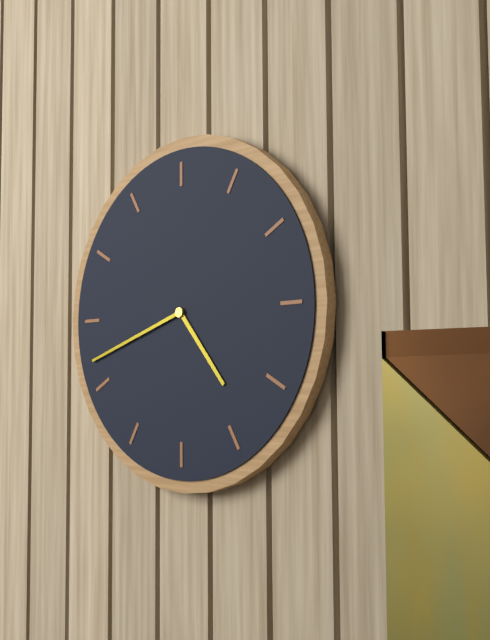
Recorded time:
4h42
